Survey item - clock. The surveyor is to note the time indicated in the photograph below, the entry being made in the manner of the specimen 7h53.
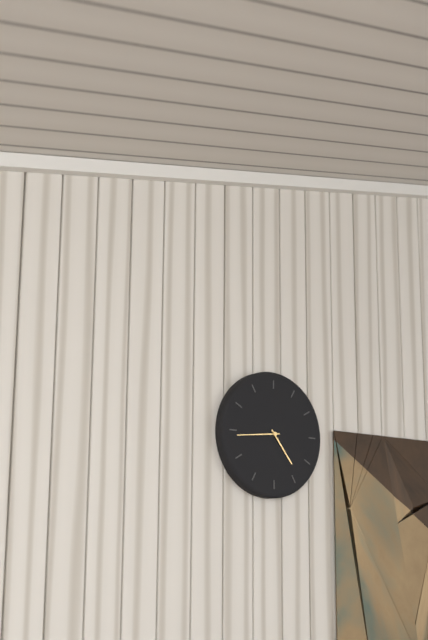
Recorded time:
4h44
